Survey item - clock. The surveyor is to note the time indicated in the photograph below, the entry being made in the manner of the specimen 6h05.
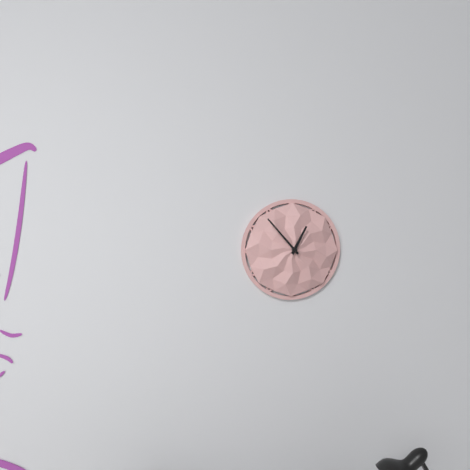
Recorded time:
12h53
